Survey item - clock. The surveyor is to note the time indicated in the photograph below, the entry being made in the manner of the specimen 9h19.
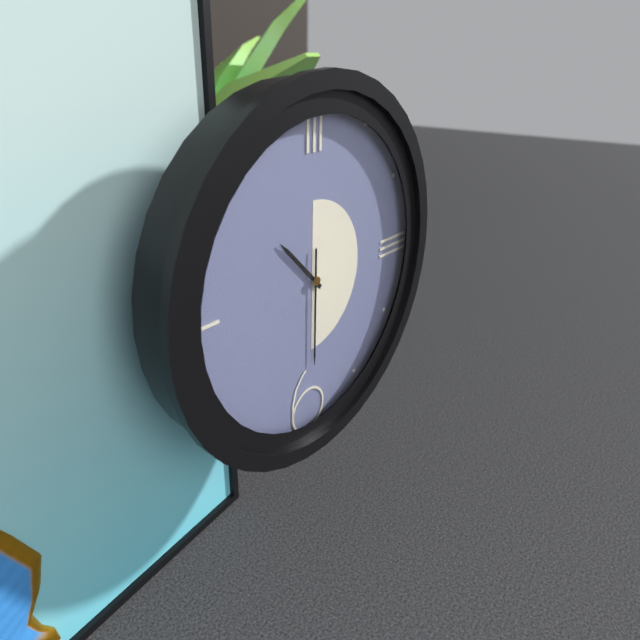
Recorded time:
10h30
